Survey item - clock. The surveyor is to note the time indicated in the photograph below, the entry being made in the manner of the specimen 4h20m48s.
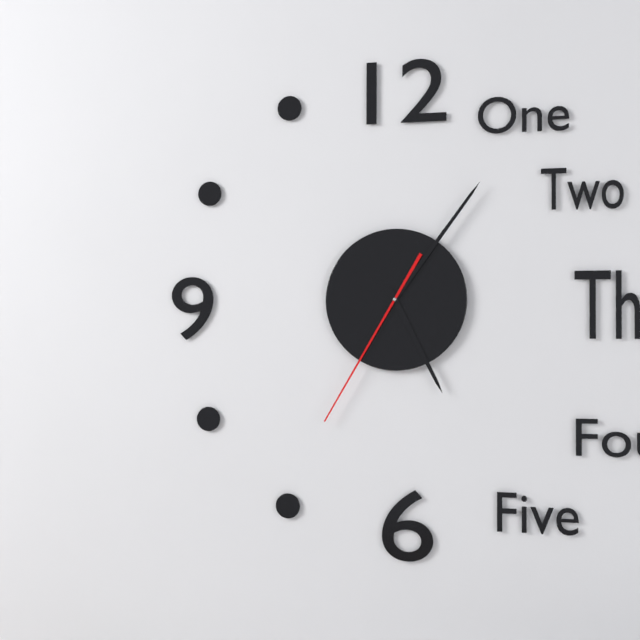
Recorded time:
5h06m35s
